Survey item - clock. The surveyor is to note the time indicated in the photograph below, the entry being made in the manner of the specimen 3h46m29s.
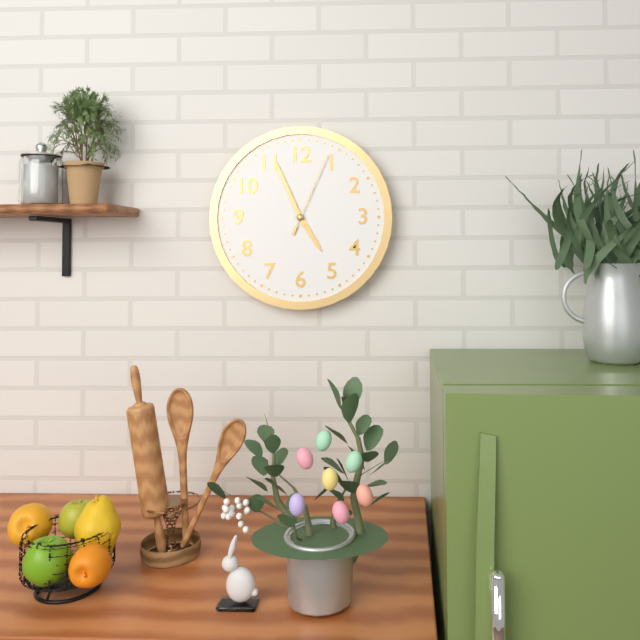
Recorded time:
4h56m04s
